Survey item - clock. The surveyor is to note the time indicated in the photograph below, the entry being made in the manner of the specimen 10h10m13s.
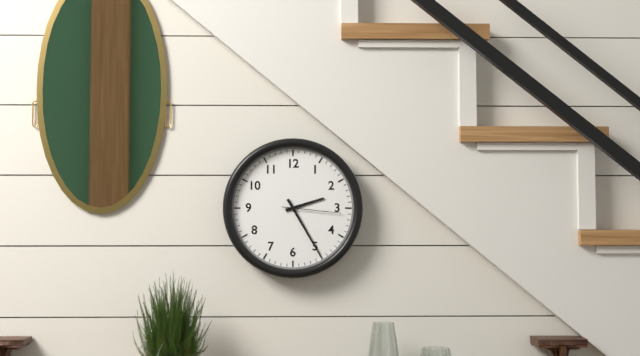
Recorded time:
2h25m16s
